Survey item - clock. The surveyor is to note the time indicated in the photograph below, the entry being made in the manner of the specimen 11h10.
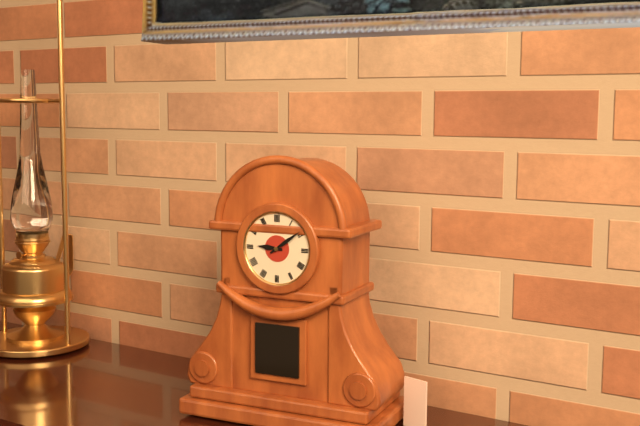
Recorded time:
9h09
